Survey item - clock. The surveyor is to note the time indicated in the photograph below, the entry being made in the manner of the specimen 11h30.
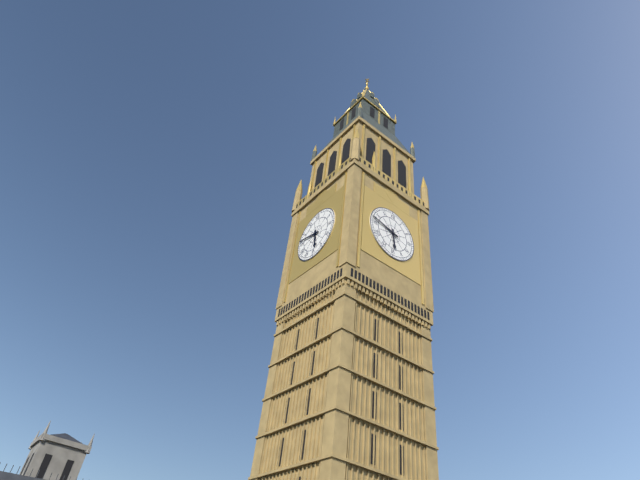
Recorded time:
5h47
